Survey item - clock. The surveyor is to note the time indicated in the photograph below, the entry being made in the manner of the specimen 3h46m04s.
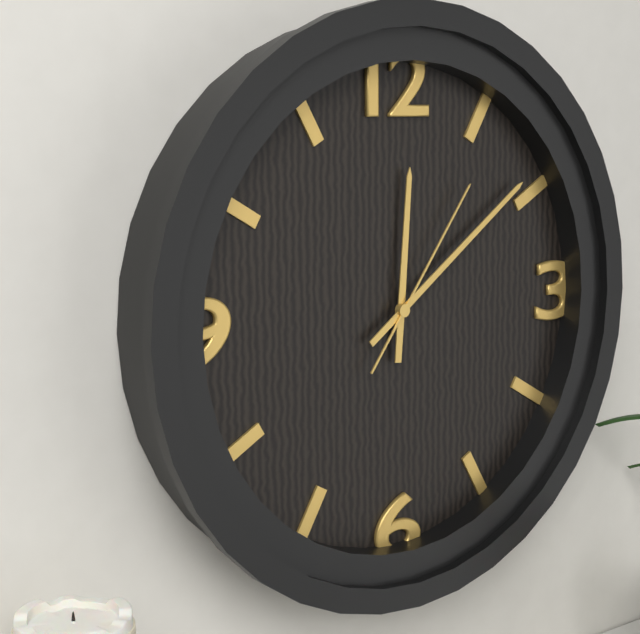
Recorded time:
12h09m06s
